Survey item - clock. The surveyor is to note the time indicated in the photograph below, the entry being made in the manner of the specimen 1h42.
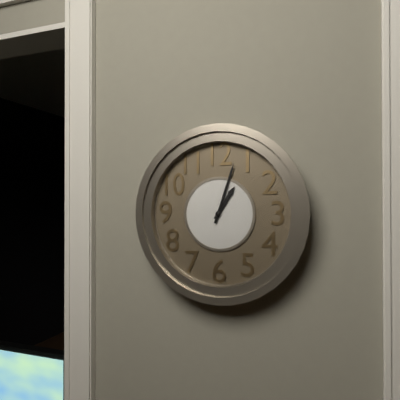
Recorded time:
1h03
